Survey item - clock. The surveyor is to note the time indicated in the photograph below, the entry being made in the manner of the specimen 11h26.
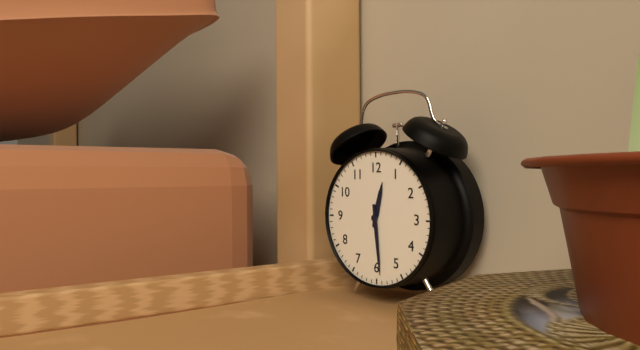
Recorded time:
12h29
